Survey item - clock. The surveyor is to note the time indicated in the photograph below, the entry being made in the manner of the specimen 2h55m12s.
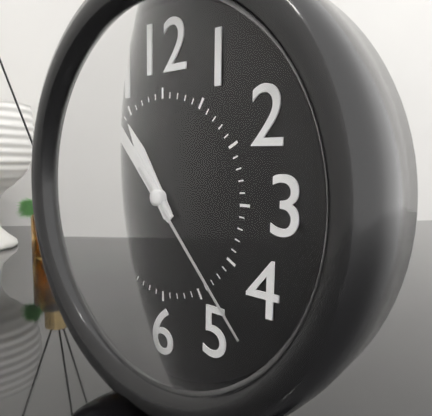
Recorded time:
10h53m23s
